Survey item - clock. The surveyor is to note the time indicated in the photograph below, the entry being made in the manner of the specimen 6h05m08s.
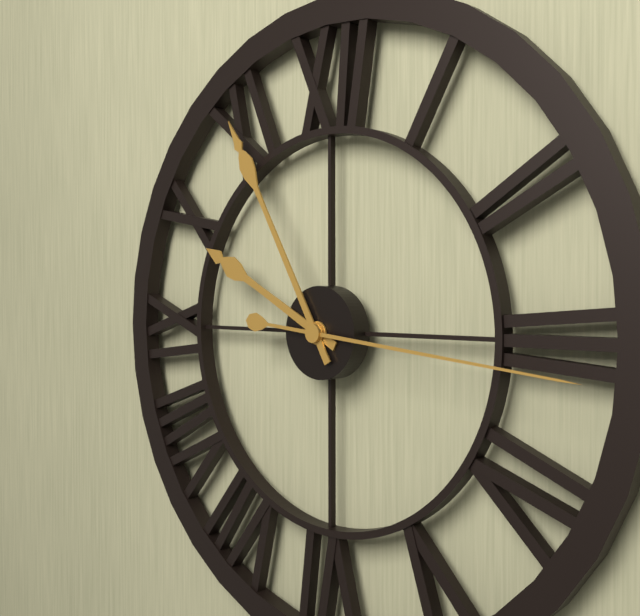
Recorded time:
9h55m16s
